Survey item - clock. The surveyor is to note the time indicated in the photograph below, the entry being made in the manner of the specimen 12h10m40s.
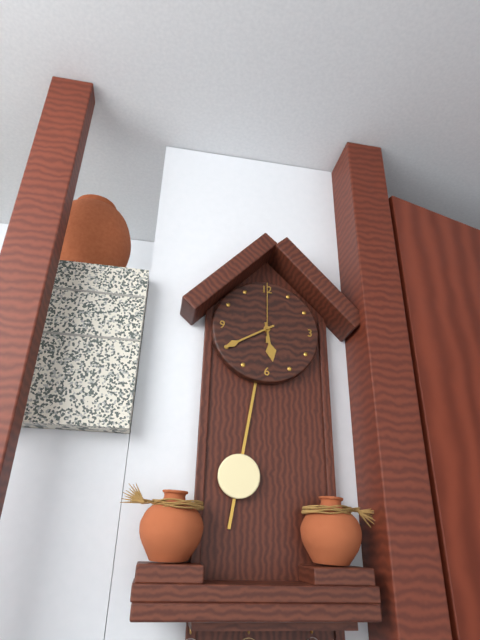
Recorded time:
5h40m00s
